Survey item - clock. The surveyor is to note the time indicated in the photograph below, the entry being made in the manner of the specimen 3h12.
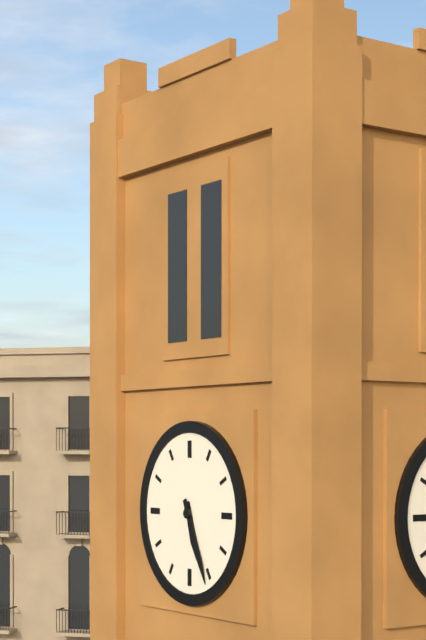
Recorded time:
5h26
